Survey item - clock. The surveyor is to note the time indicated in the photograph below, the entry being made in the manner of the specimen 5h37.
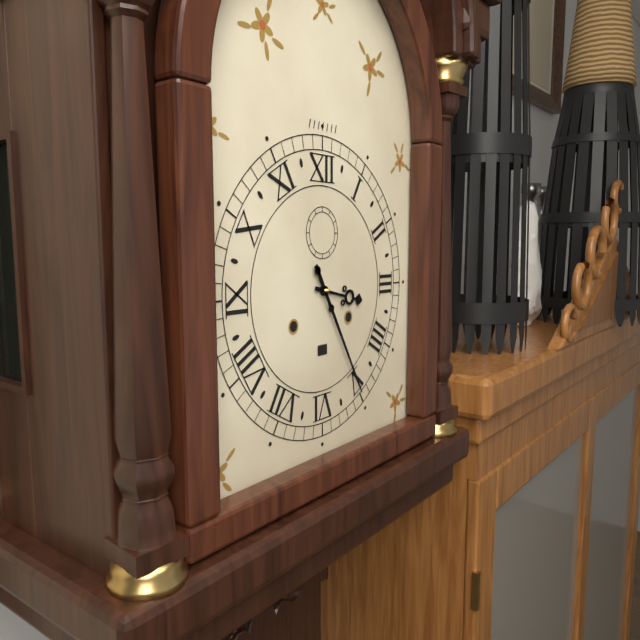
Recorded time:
3h25
